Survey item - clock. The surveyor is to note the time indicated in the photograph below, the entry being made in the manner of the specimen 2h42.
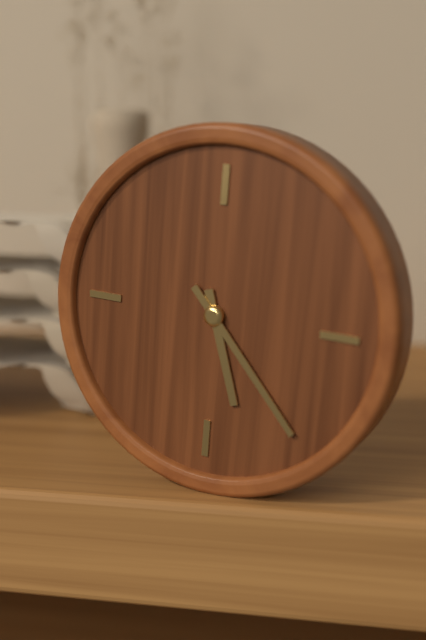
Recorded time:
5h23
